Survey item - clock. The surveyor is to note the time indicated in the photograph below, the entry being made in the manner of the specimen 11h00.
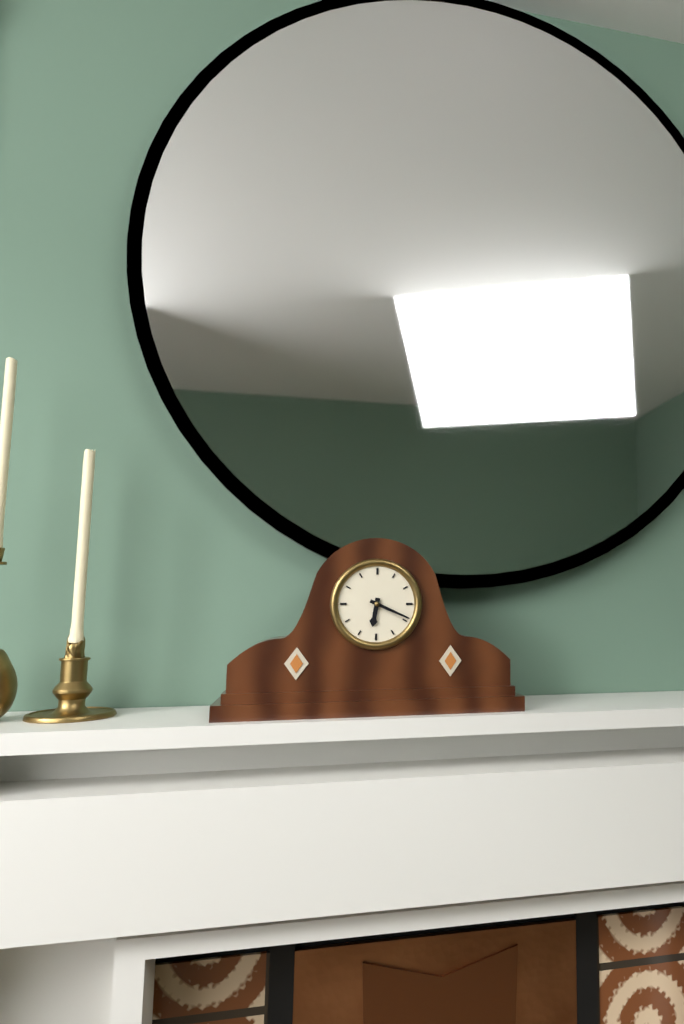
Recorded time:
6h19
